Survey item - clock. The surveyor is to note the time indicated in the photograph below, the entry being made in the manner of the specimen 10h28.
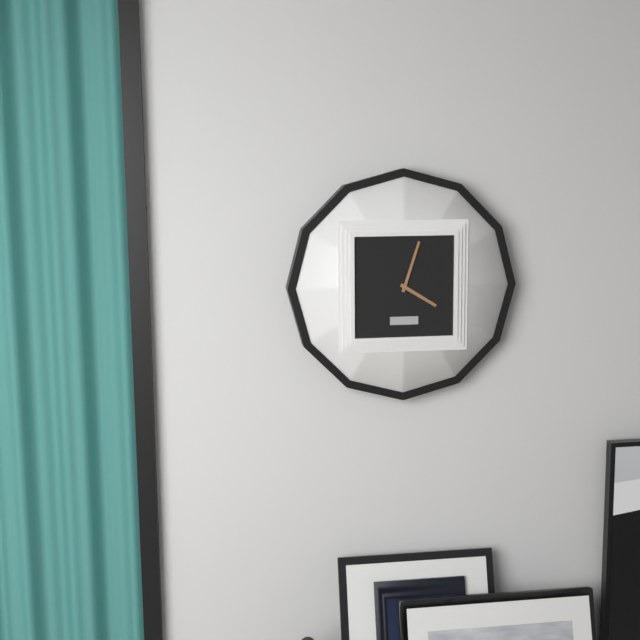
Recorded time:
4h03
